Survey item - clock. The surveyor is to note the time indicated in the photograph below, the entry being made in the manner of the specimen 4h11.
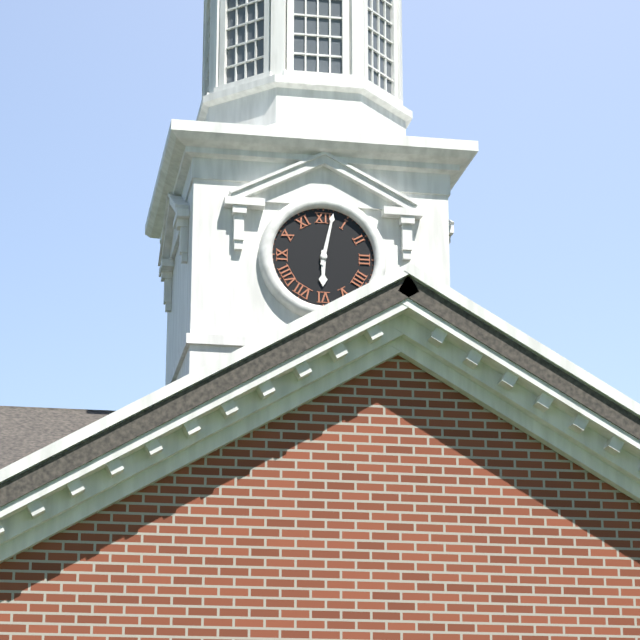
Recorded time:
6h02
